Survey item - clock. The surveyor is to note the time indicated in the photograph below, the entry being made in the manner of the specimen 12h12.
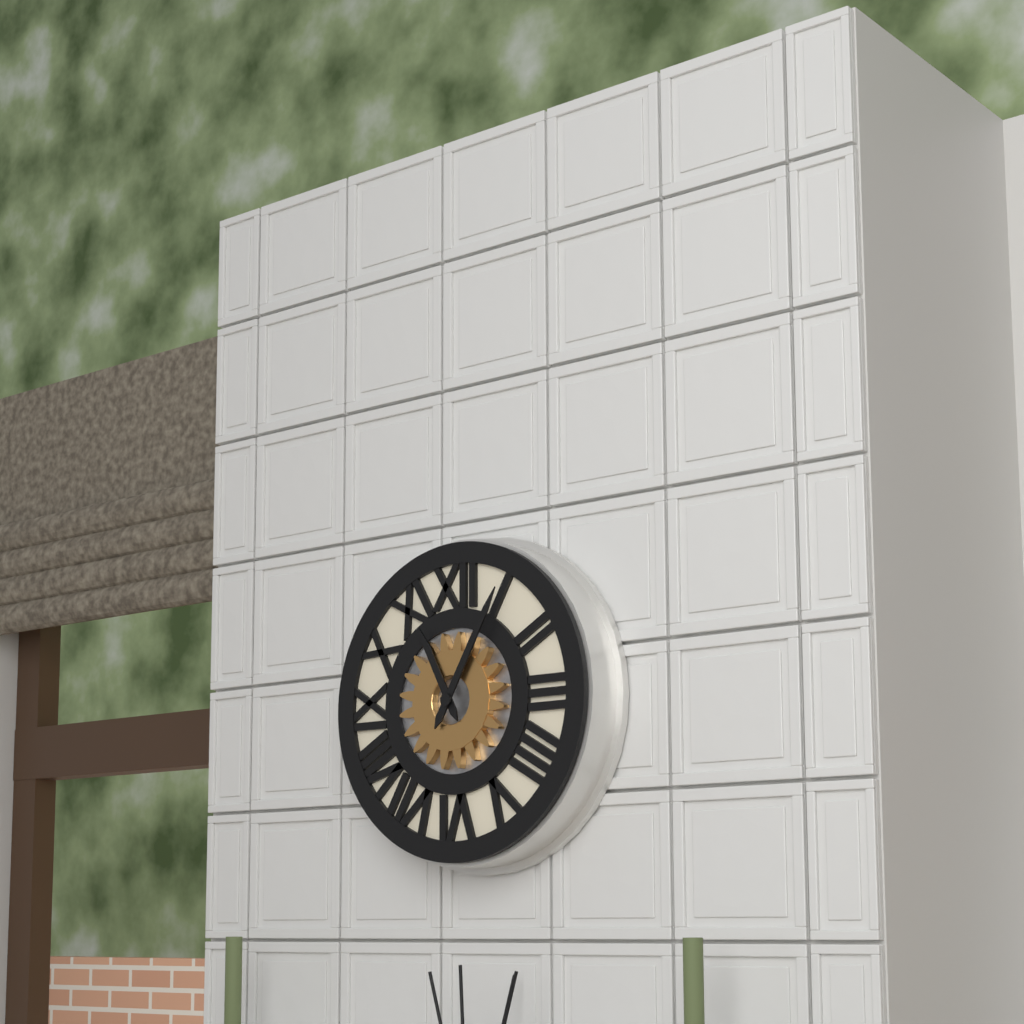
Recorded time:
11h05
